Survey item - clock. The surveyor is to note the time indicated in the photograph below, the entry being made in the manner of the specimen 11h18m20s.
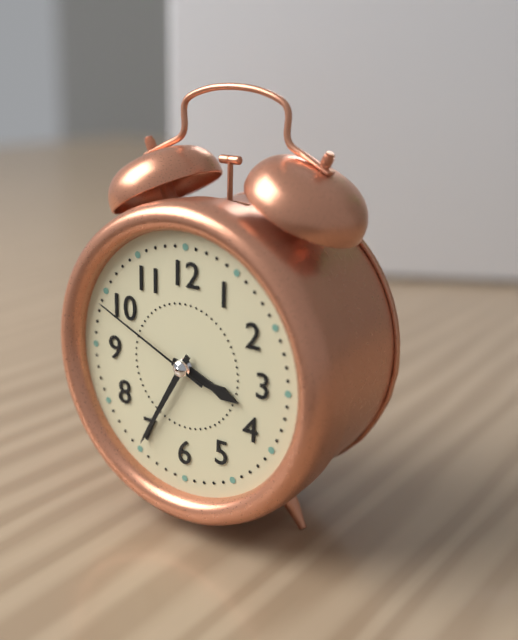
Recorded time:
3h35m49s
